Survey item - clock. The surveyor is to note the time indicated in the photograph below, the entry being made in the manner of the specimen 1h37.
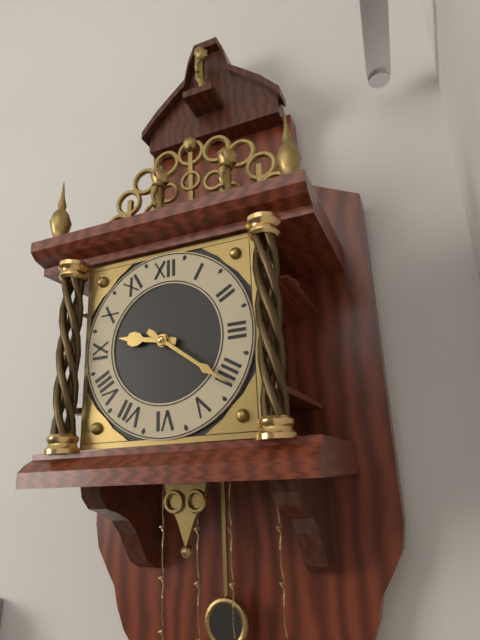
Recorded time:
9h21
